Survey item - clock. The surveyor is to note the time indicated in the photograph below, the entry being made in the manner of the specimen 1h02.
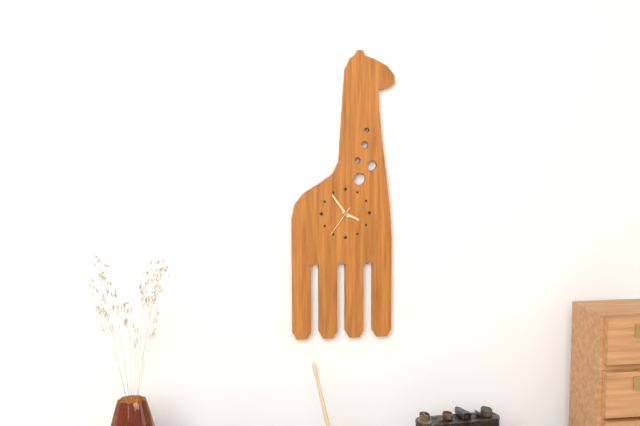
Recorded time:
3h54
